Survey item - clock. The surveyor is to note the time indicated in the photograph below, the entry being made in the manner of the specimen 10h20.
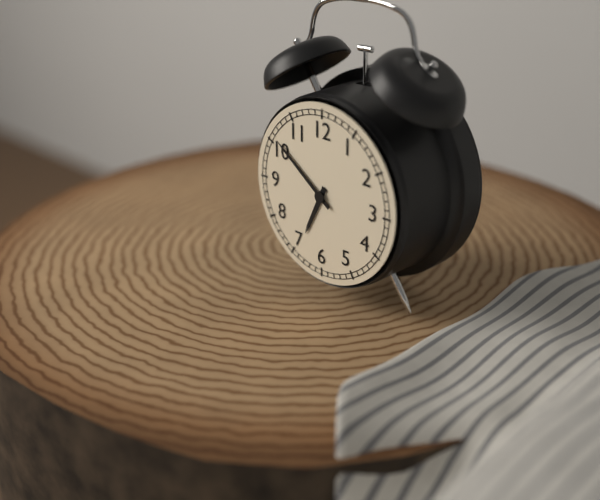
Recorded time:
6h51
